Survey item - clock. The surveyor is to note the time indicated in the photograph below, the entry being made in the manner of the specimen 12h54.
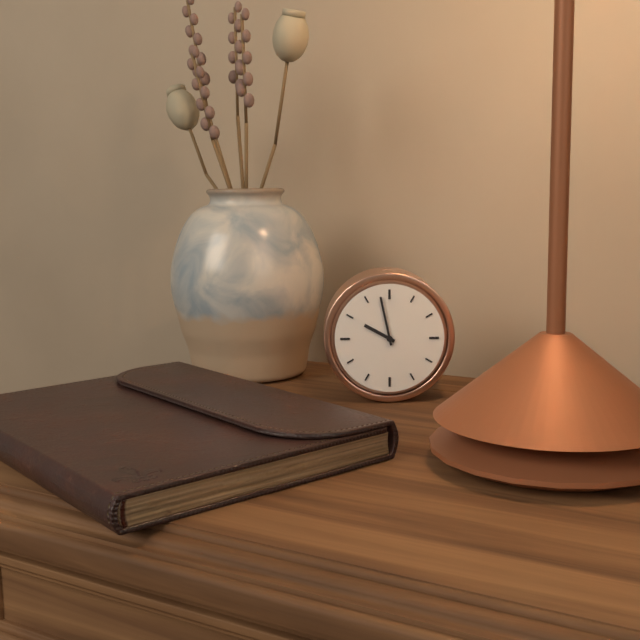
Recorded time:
9h58
